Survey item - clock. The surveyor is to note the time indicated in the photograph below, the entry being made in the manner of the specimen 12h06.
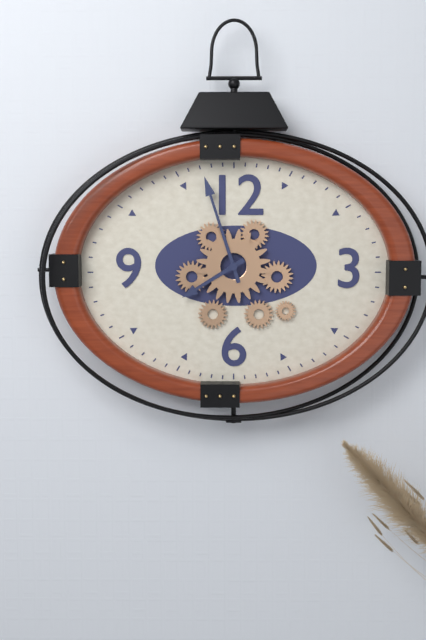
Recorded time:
7h57
